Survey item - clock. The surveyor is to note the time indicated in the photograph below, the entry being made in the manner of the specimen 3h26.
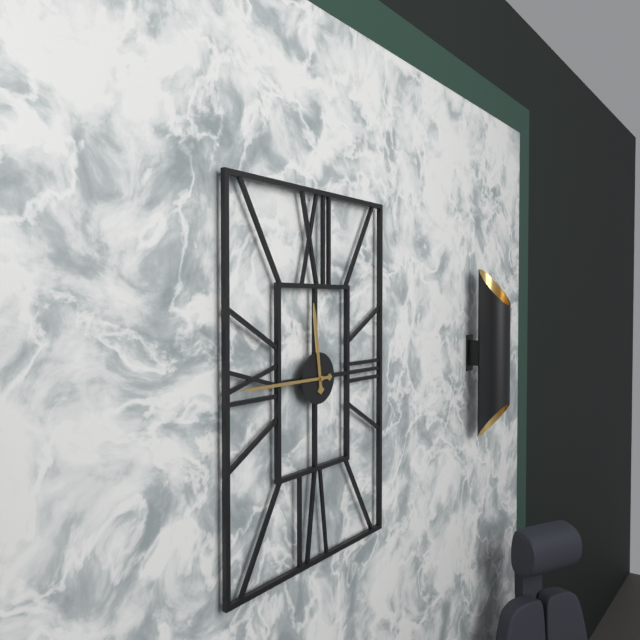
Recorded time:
11h45
